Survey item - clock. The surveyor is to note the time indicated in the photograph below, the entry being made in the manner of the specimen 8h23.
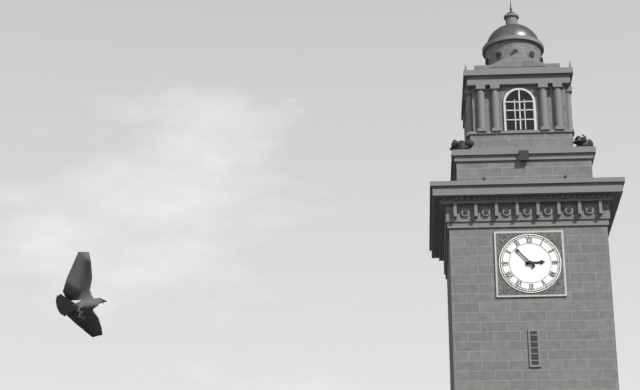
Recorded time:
2h53
